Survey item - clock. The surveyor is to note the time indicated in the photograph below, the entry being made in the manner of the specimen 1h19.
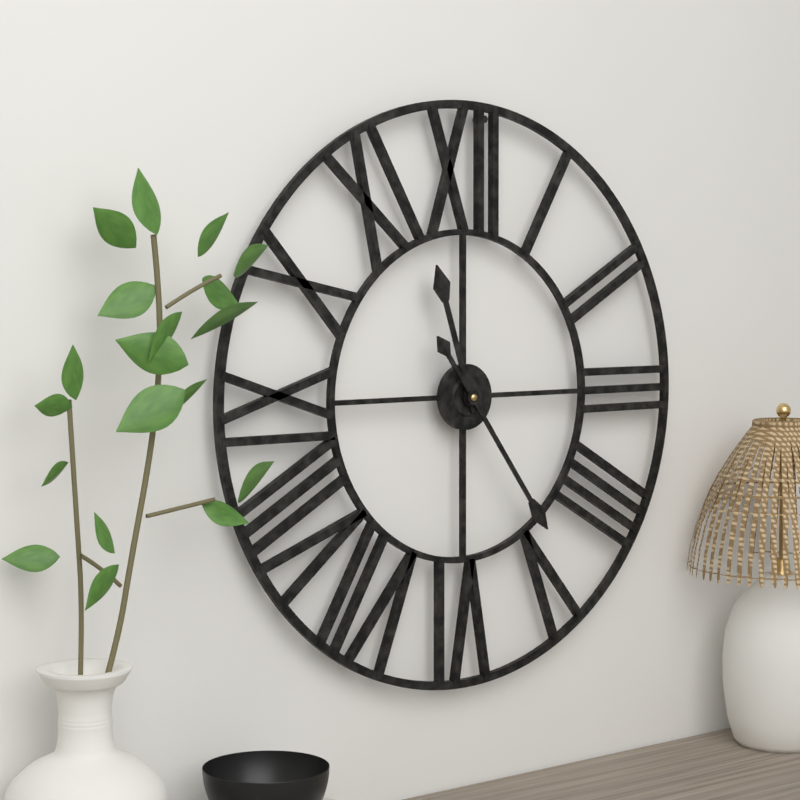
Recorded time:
11h24
